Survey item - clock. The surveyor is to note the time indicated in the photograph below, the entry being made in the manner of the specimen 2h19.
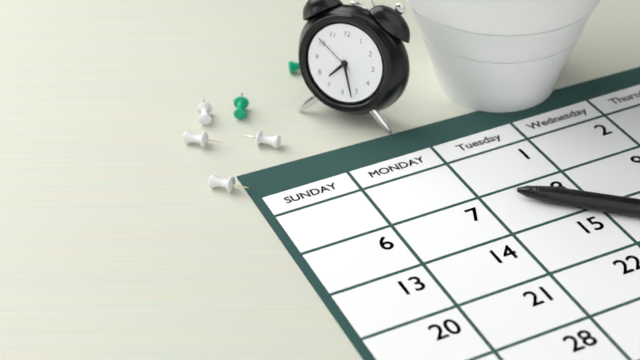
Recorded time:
7h27
